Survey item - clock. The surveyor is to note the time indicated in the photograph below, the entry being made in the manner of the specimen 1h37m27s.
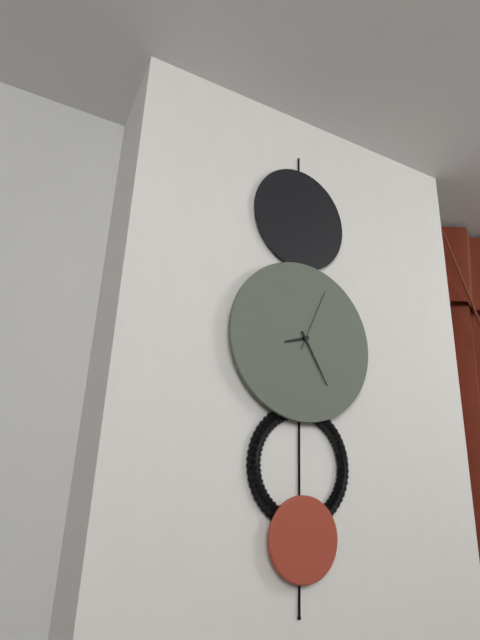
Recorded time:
8h25m04s
